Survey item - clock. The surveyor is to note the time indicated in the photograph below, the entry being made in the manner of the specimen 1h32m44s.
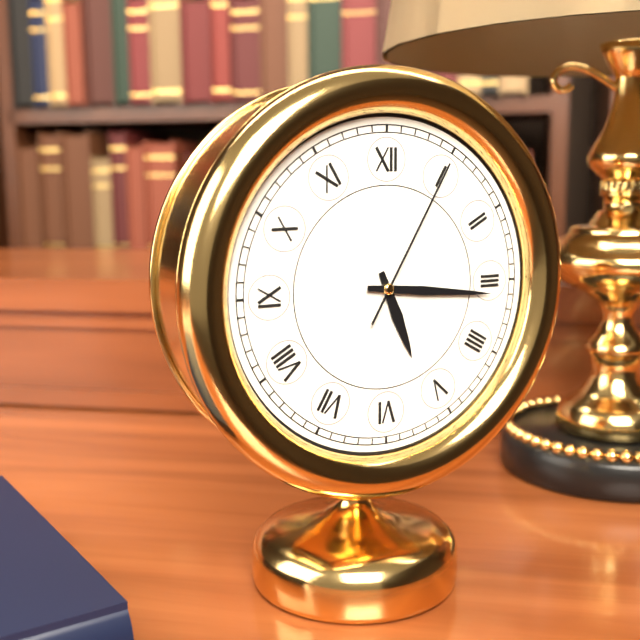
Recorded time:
5h16m05s
